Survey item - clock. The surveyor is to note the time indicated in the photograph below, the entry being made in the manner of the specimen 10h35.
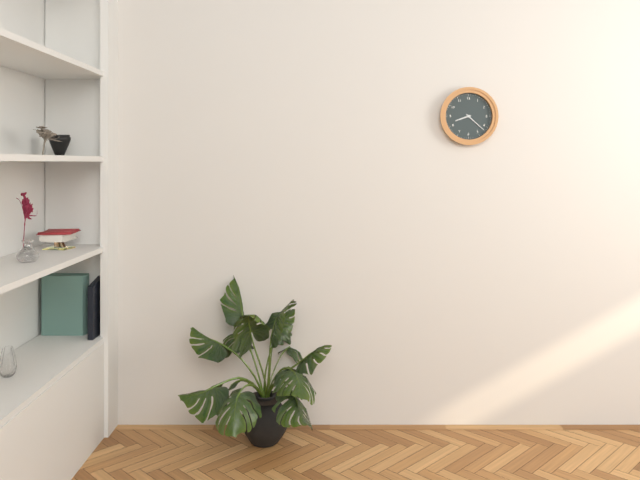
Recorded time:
8h22
